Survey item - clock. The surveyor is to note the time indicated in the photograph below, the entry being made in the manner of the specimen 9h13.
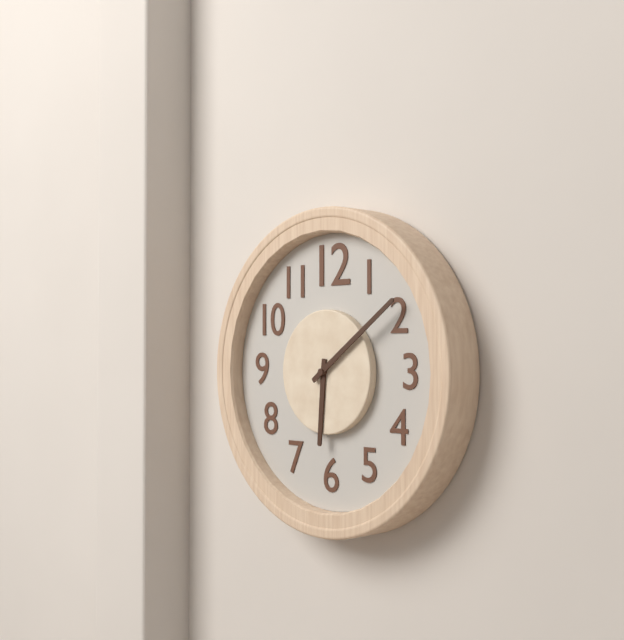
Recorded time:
6h09
